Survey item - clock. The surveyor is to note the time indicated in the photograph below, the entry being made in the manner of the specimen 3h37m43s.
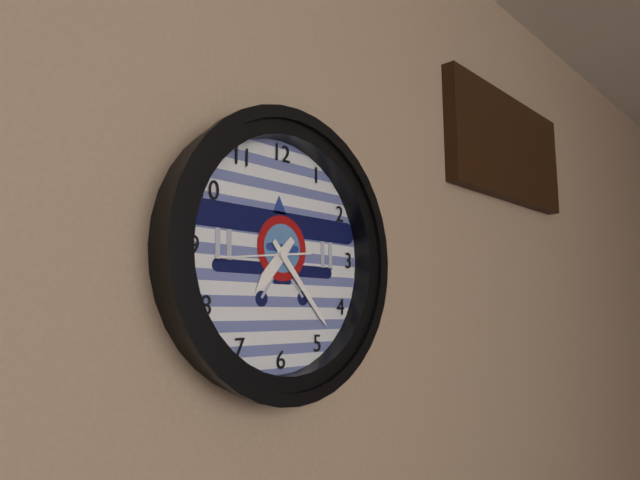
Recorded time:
7h23m44s
